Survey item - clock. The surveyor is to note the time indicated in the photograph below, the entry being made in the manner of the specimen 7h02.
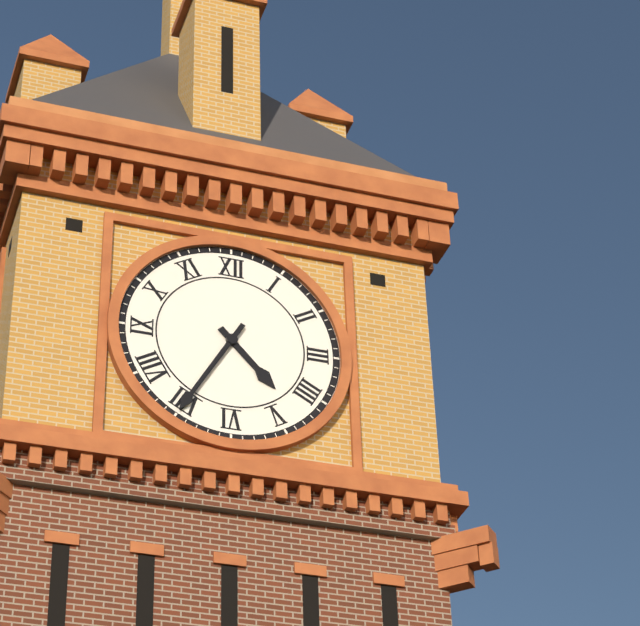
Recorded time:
4h35
